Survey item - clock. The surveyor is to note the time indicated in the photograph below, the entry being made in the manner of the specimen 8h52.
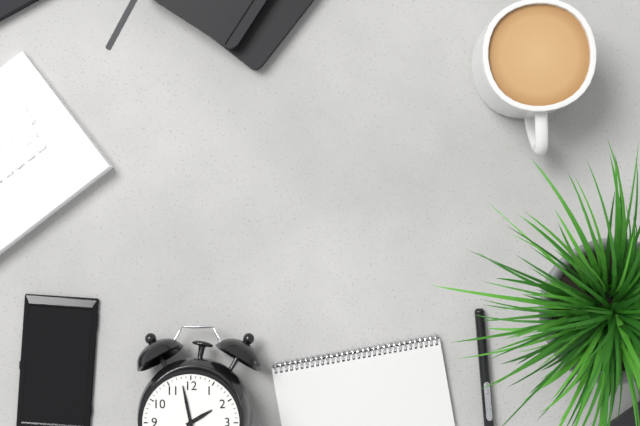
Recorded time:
1h58
